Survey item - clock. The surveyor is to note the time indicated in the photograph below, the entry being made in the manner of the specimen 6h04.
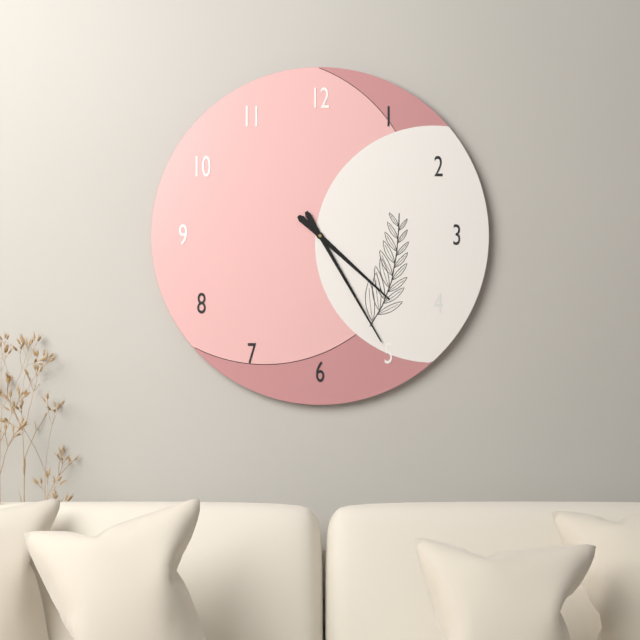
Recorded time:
4h25
